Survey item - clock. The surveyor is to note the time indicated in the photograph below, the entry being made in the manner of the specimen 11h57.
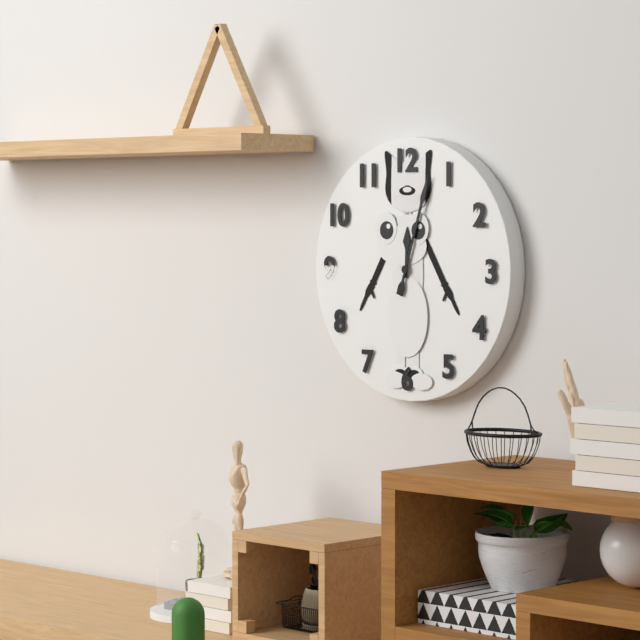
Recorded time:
12h03
